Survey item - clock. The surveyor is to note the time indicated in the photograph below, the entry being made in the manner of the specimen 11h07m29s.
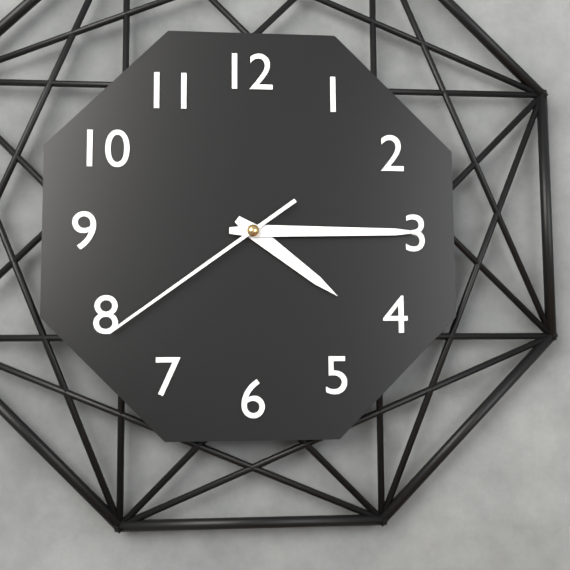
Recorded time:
4h15m39s
